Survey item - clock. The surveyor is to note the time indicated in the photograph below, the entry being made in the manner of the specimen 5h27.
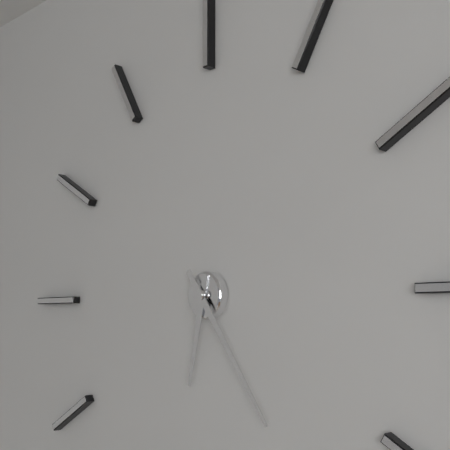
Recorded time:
6h24
